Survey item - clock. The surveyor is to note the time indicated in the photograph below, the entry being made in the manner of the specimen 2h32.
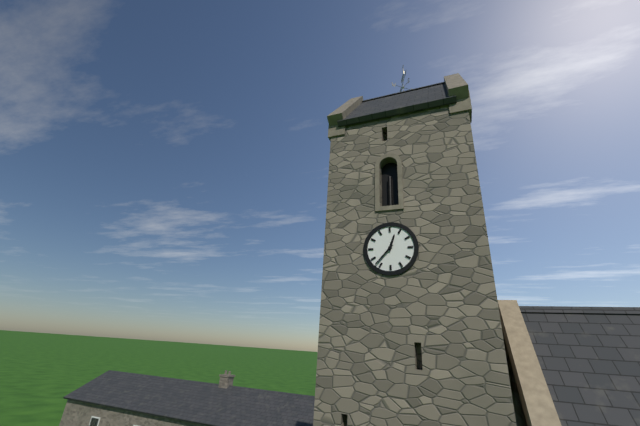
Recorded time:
12h37
